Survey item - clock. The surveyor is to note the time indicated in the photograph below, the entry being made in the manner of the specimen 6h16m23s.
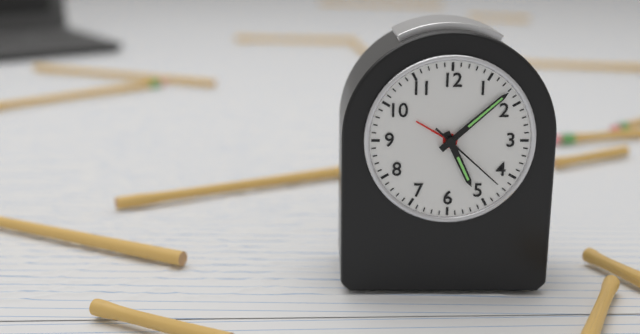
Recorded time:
5h08m22s
